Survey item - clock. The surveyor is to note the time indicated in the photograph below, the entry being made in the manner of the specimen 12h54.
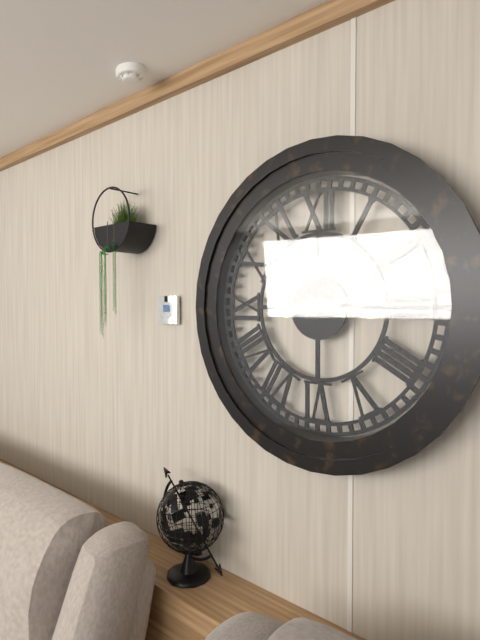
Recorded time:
3h13
